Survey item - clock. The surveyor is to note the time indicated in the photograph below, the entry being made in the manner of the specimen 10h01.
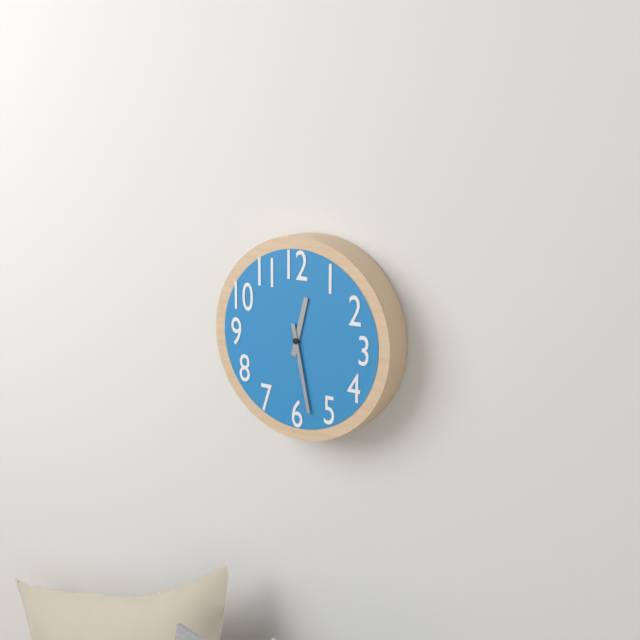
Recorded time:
12h28
